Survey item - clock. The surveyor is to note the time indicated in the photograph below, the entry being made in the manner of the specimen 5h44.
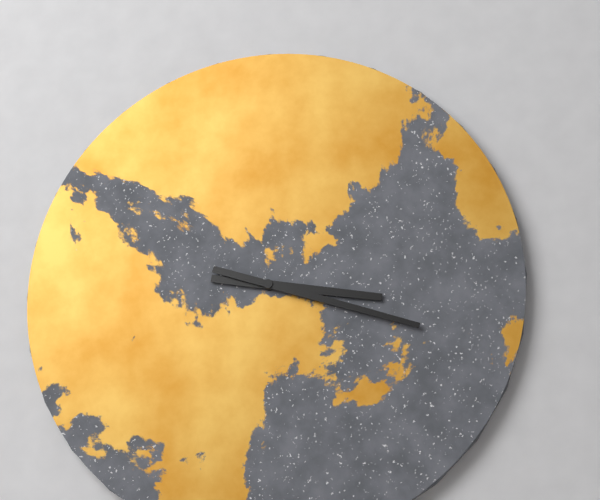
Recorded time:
3h18
